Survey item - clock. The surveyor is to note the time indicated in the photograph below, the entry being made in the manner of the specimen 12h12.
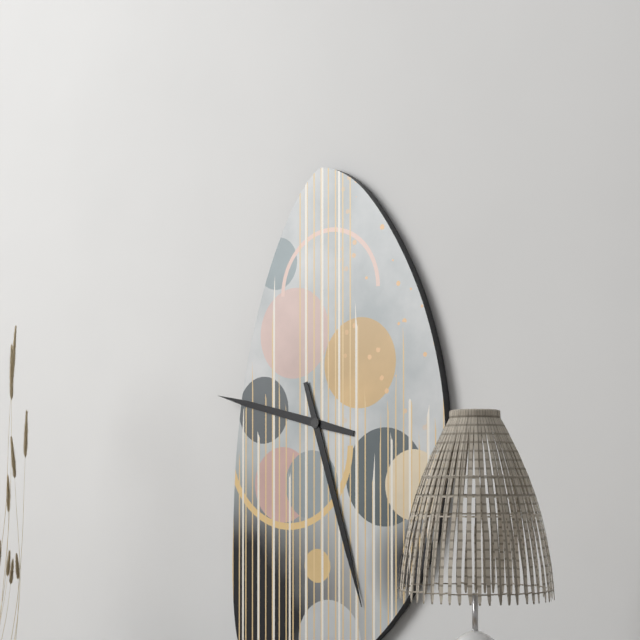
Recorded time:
9h27
